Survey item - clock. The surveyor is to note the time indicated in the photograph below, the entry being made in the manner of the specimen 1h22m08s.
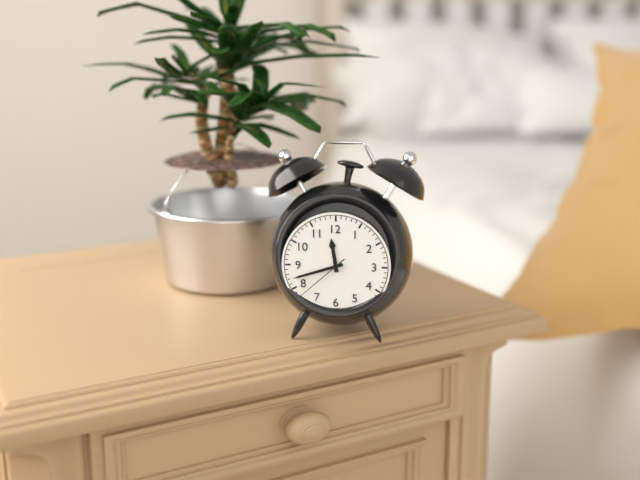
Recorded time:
11h42m38s
